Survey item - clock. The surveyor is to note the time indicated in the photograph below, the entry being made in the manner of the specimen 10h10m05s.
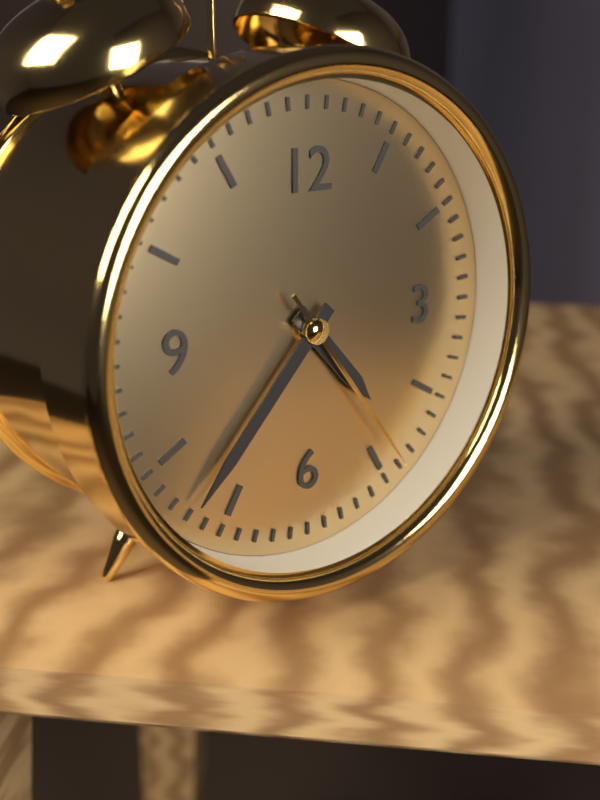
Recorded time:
4h37m24s
